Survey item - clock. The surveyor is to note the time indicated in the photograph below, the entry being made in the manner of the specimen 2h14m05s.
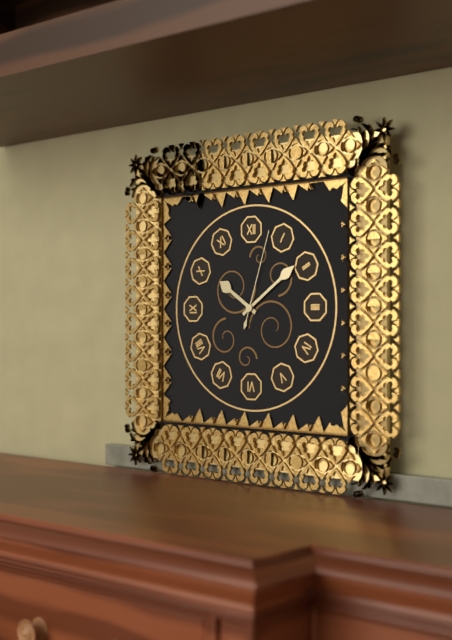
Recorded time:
10h09m03s
